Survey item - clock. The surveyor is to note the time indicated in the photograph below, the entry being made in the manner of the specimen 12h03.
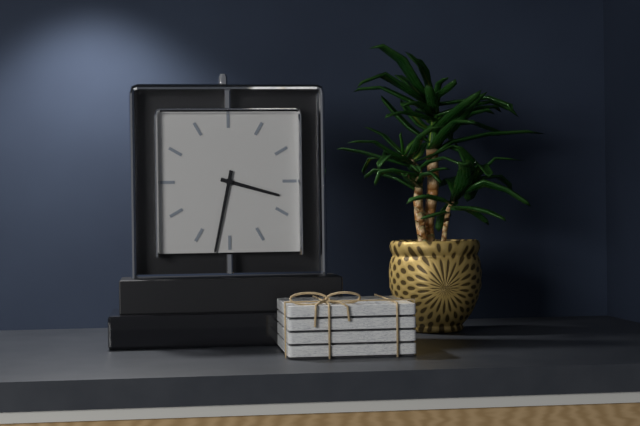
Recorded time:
3h32
